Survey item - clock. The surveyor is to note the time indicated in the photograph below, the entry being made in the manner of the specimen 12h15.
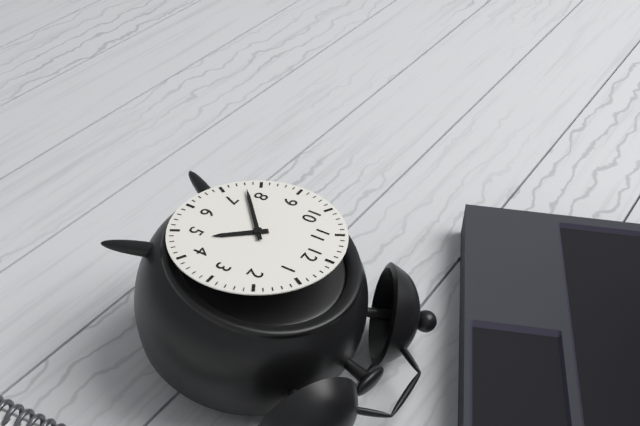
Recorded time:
4h38
